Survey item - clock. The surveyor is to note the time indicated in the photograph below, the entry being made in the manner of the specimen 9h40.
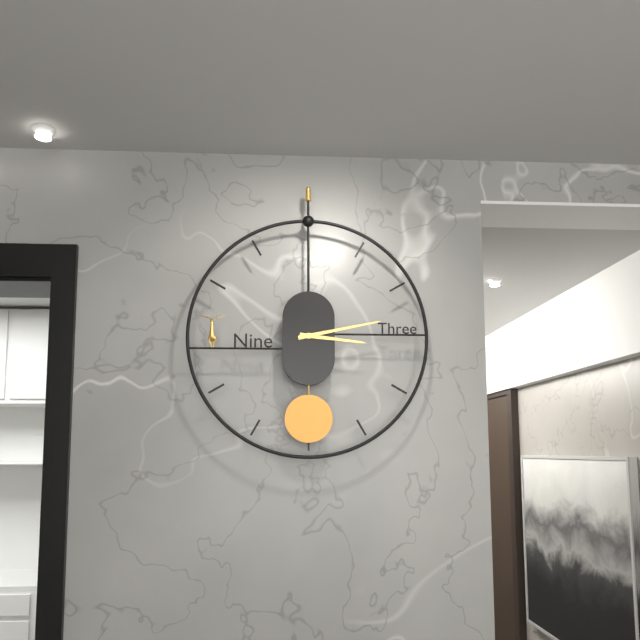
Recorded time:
3h13
